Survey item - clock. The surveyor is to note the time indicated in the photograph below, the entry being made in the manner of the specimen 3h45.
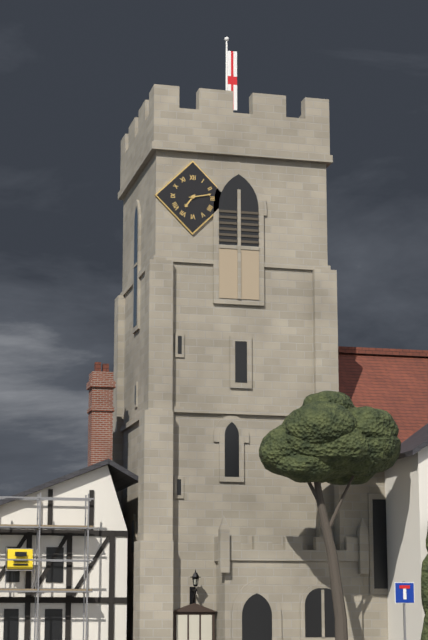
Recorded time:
7h13
